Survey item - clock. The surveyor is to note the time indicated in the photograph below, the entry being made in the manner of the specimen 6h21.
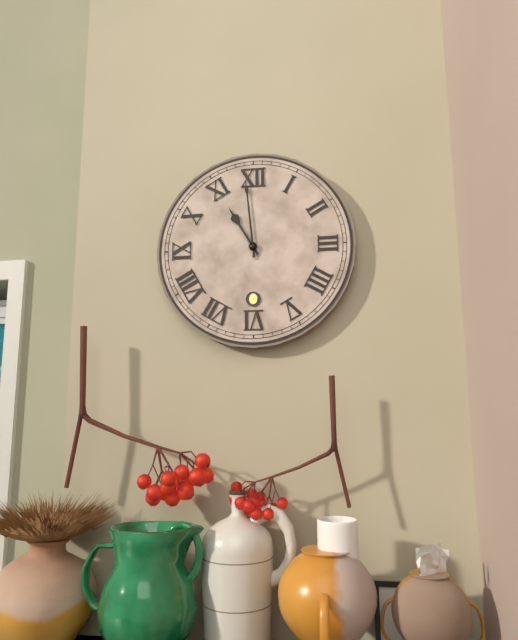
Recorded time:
10h59
